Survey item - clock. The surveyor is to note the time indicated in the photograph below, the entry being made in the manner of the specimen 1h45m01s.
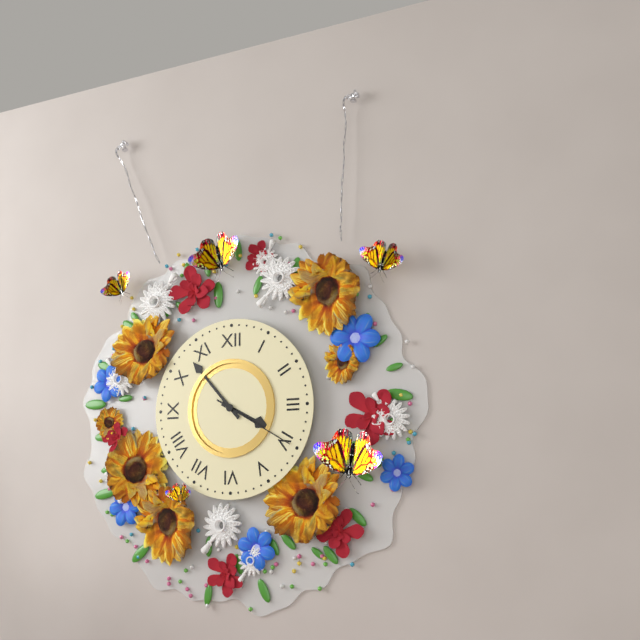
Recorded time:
3h53m20s
